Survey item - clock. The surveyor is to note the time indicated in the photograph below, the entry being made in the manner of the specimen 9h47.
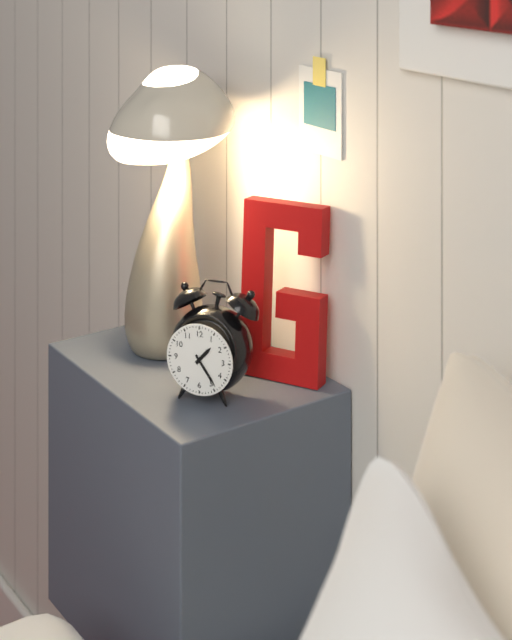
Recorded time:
1h24
